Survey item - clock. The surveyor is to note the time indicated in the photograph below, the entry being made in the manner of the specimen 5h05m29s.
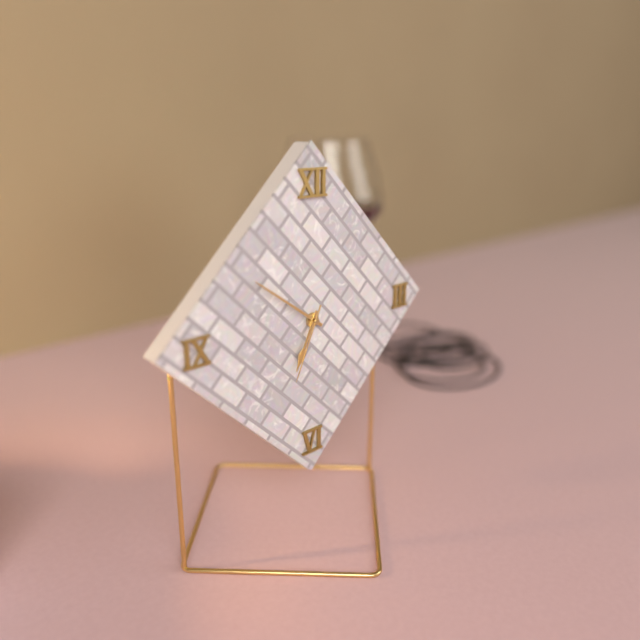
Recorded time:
6h51m34s
